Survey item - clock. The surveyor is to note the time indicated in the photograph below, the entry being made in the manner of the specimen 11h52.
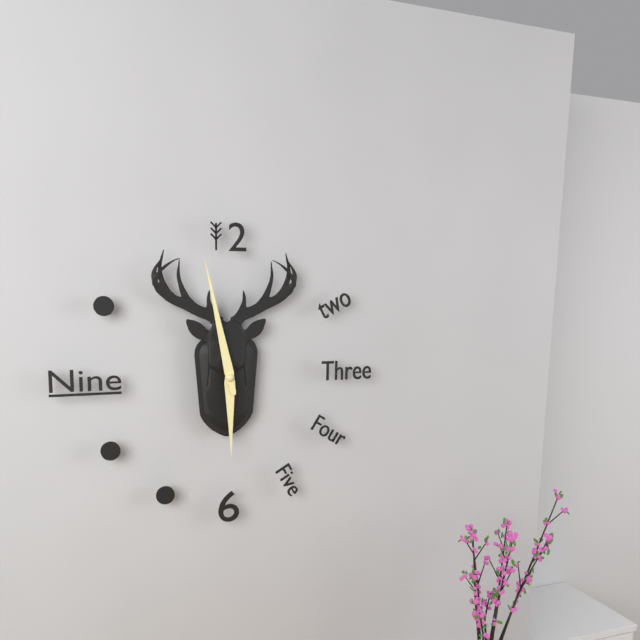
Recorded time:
5h58
